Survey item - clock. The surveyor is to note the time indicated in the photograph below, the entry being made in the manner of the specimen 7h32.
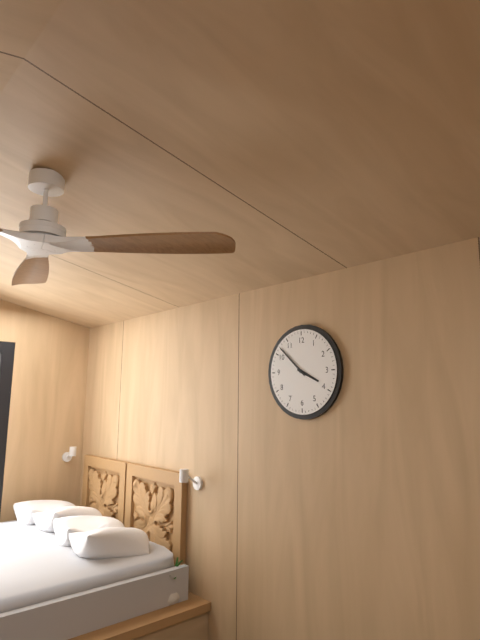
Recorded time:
3h52
